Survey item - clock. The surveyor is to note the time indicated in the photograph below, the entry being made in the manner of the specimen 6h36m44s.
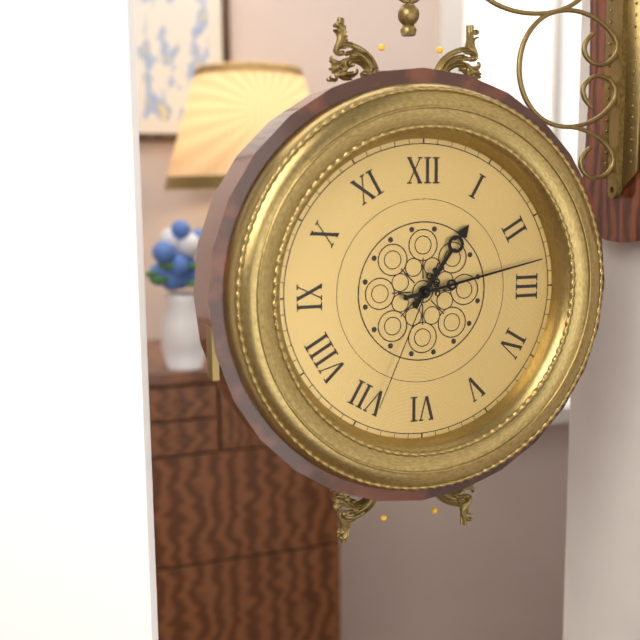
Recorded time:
1h13m34s
